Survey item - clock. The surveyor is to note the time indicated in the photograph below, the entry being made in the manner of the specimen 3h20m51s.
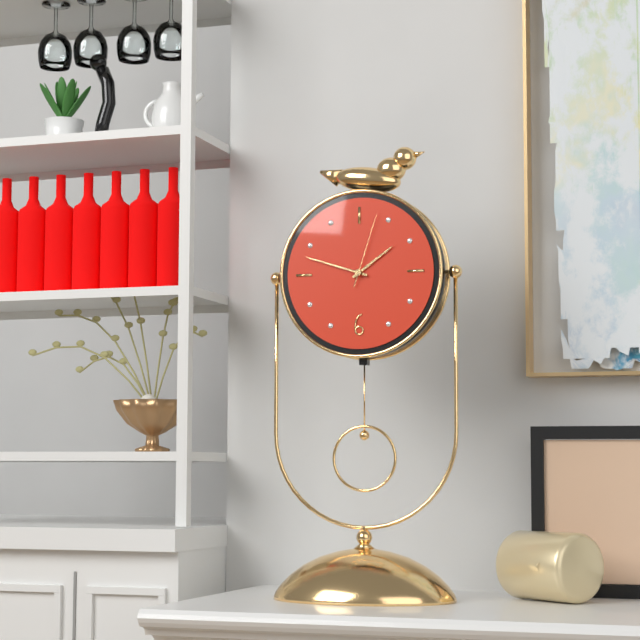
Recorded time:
1h48m03s
